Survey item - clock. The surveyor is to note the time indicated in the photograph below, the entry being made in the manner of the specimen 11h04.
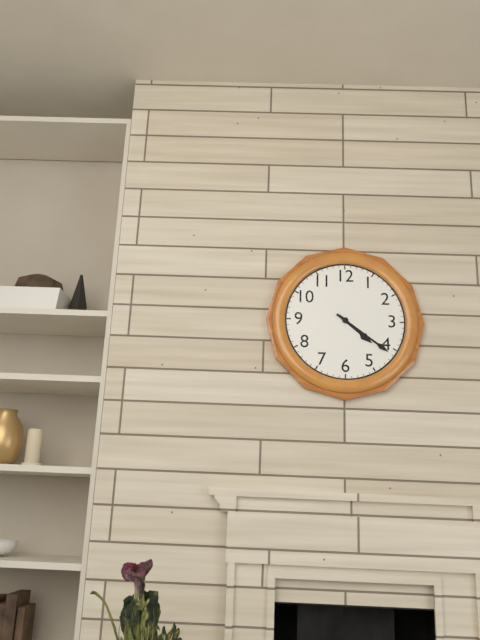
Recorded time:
4h21
